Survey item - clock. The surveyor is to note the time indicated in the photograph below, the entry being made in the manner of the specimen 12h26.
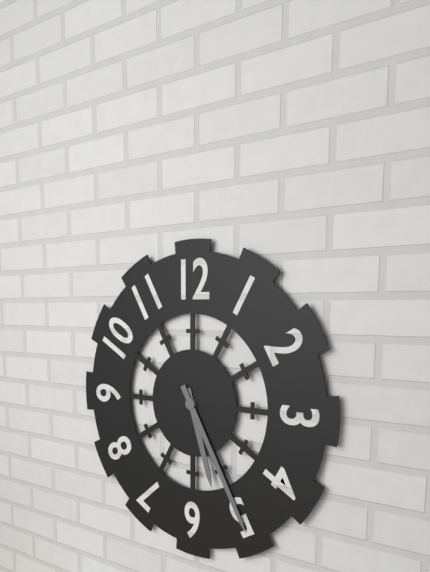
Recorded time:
5h25
